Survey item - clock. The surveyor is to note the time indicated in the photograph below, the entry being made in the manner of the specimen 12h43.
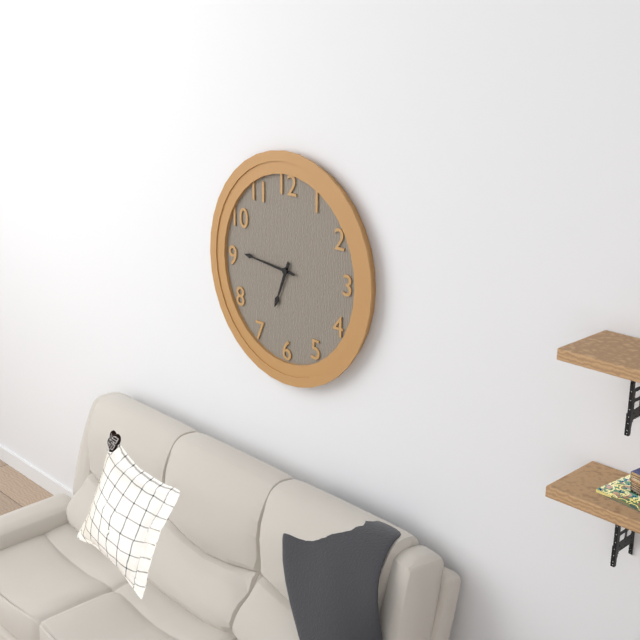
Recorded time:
6h46
